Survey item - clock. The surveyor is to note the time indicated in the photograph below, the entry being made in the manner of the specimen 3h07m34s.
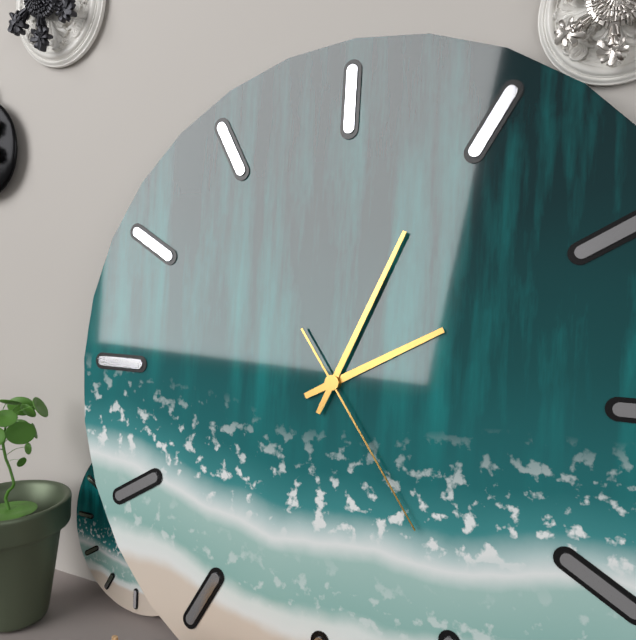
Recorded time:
2h04m24s
